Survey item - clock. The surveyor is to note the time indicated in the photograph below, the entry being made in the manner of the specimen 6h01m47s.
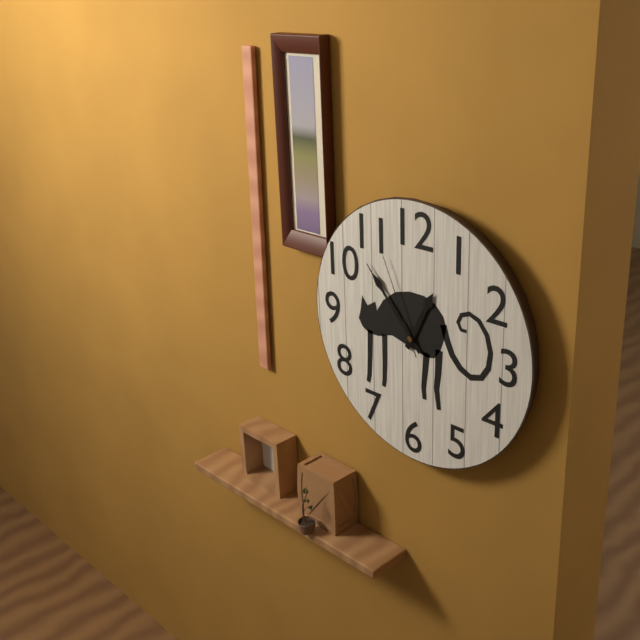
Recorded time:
12h53m56s
